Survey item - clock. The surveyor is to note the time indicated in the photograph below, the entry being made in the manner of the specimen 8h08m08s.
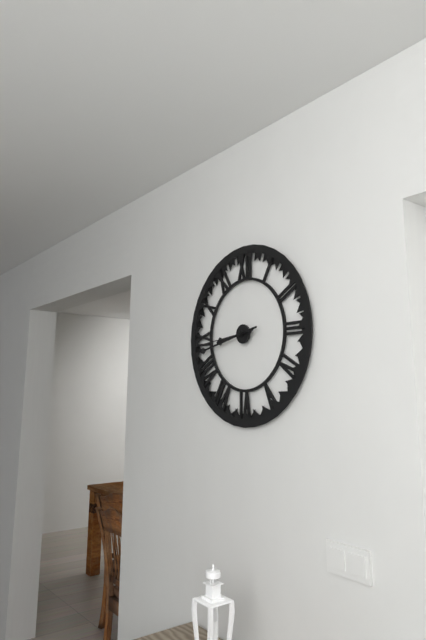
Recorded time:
8h43m44s
